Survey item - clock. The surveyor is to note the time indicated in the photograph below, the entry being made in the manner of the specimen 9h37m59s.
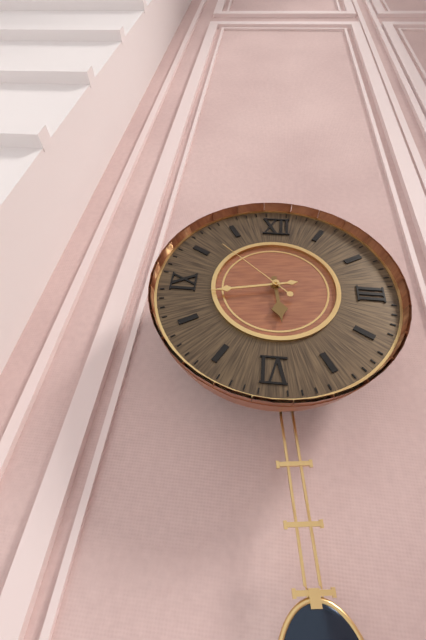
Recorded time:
5h43m52s
